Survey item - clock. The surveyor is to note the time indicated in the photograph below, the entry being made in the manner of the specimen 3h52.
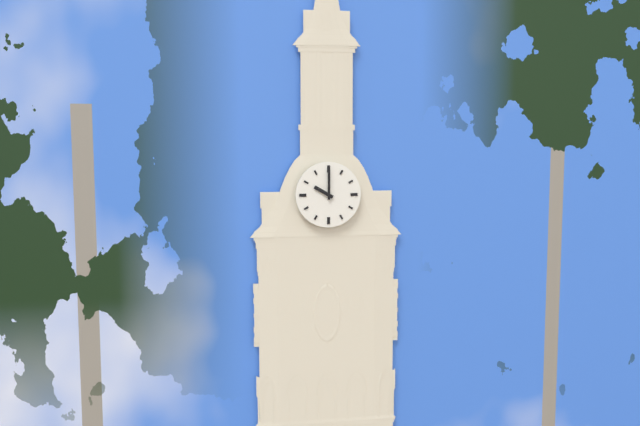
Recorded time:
10h00
